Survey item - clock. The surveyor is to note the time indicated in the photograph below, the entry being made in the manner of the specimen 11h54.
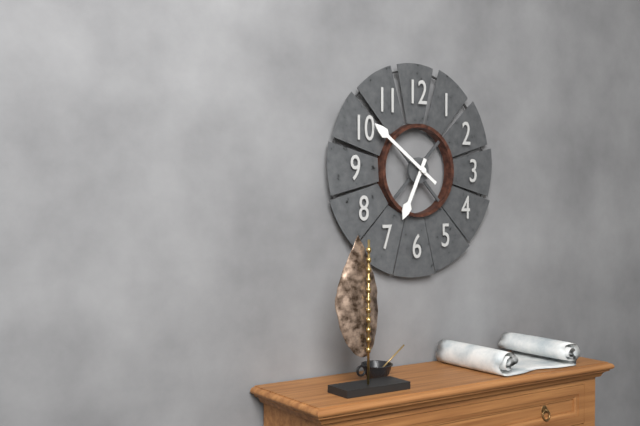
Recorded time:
6h51
